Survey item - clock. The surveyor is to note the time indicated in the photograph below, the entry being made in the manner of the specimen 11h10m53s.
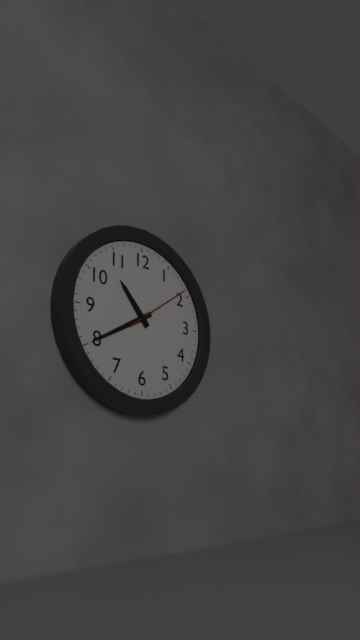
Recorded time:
10h40m09s
